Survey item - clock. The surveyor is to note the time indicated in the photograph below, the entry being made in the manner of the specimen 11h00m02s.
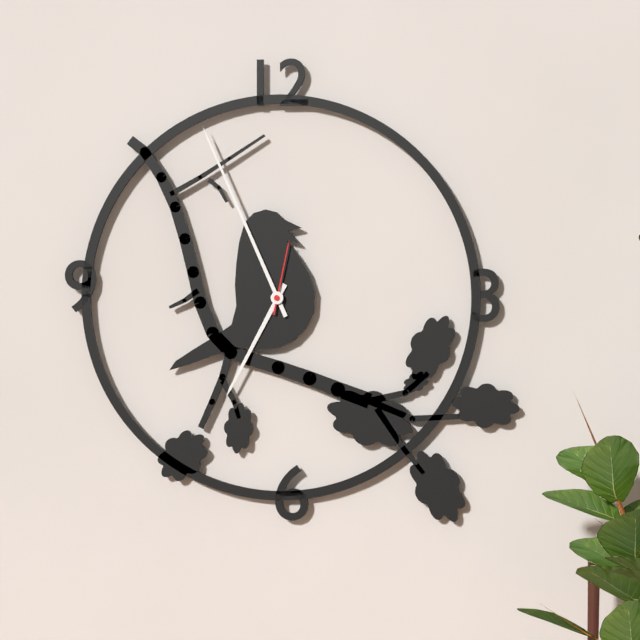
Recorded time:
6h56m02s
